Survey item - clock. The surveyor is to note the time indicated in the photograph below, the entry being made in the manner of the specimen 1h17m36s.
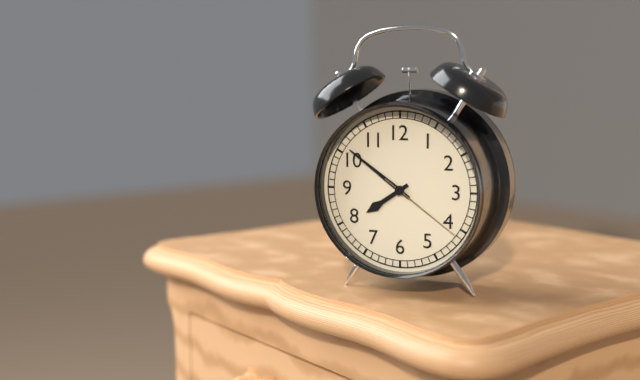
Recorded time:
7h51m21s
